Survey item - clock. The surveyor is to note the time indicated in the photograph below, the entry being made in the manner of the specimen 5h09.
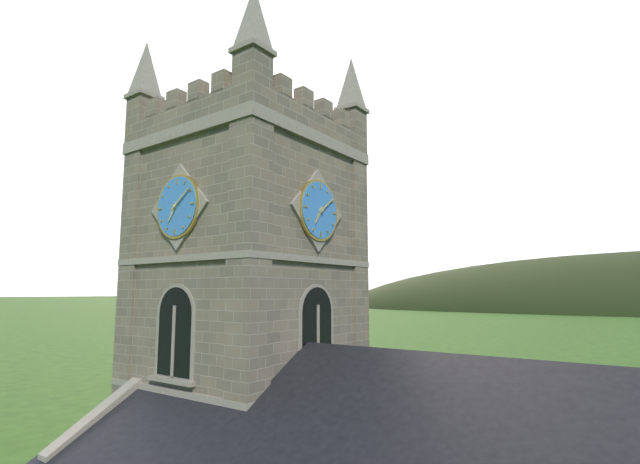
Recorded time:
7h09
